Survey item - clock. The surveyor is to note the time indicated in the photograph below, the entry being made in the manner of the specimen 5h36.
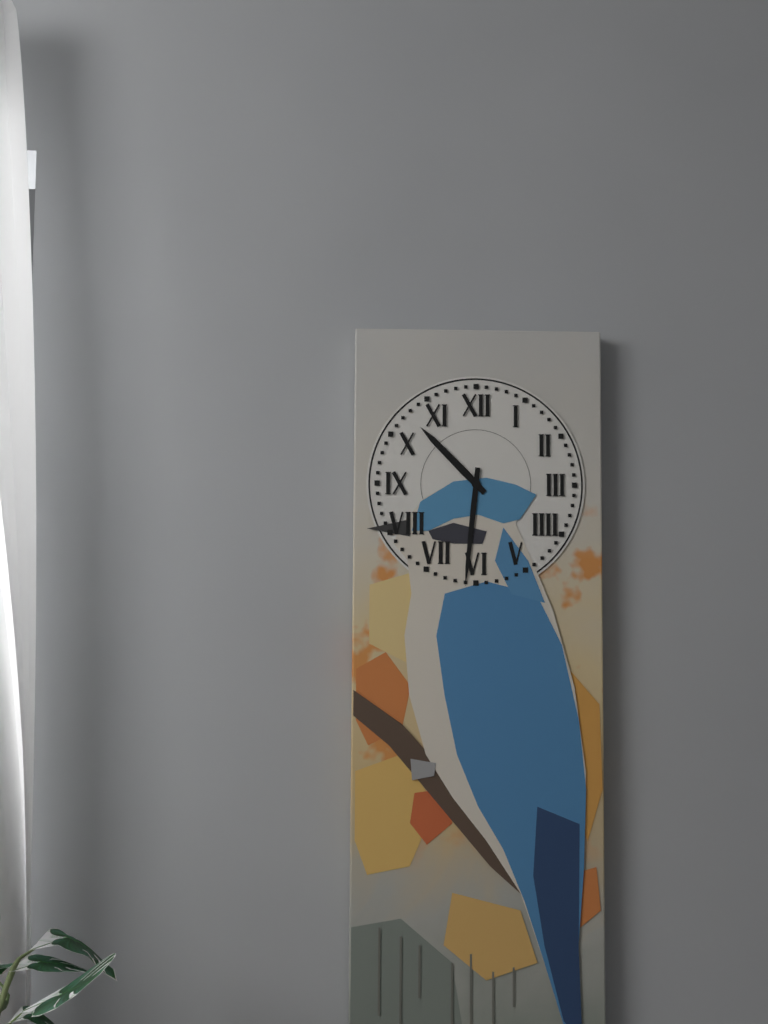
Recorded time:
10h31
